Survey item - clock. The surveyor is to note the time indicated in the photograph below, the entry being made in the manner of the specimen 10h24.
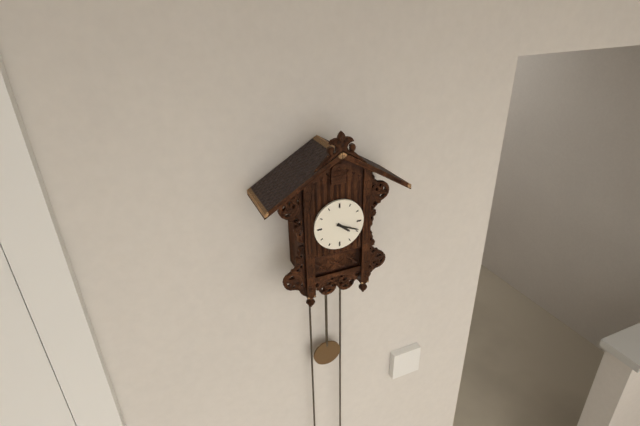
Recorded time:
4h19
